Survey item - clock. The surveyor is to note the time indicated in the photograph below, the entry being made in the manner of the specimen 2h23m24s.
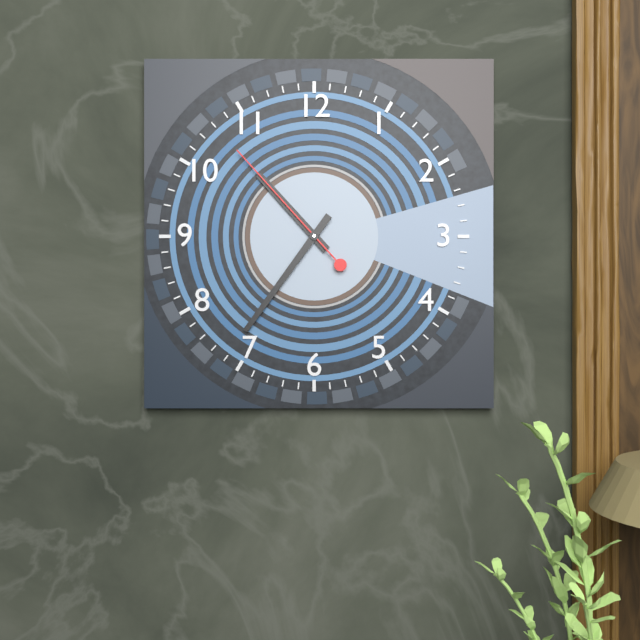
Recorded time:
10h36m53s
